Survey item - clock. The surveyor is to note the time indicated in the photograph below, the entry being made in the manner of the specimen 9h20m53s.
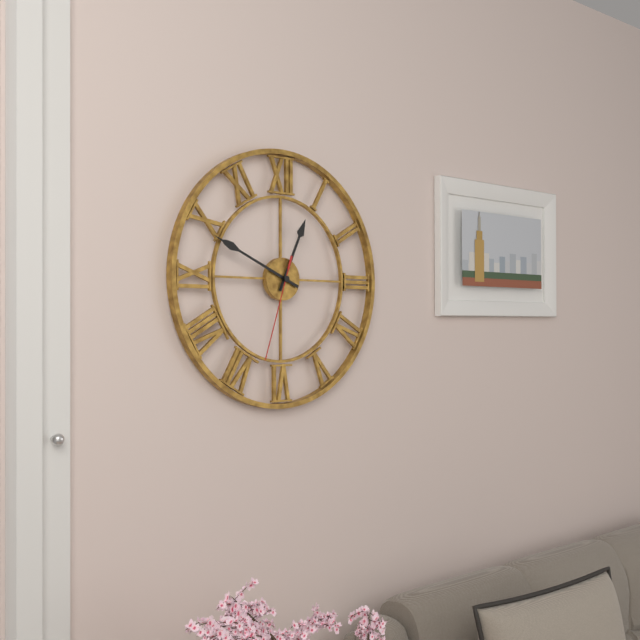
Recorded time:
12h49m33s
